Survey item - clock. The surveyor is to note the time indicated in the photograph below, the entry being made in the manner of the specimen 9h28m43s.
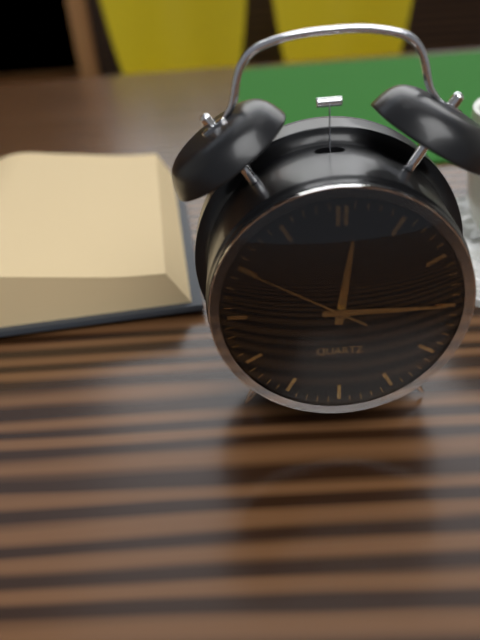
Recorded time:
12h15m50s
